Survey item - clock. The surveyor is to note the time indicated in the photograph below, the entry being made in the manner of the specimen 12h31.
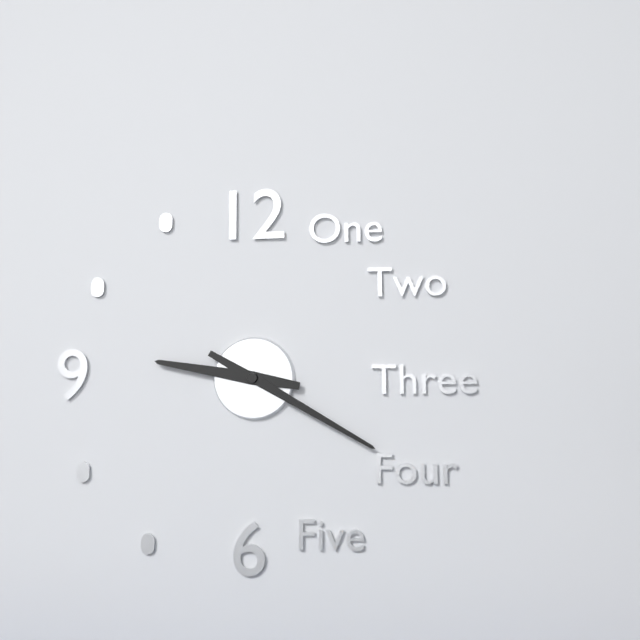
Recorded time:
9h20
